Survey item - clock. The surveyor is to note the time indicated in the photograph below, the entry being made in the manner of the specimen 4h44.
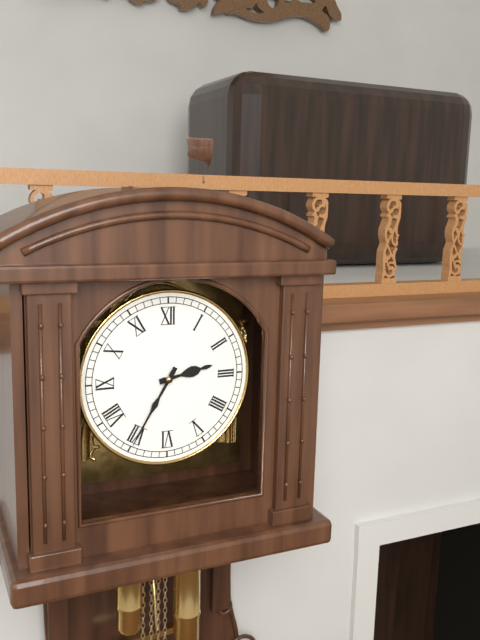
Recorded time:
2h35
